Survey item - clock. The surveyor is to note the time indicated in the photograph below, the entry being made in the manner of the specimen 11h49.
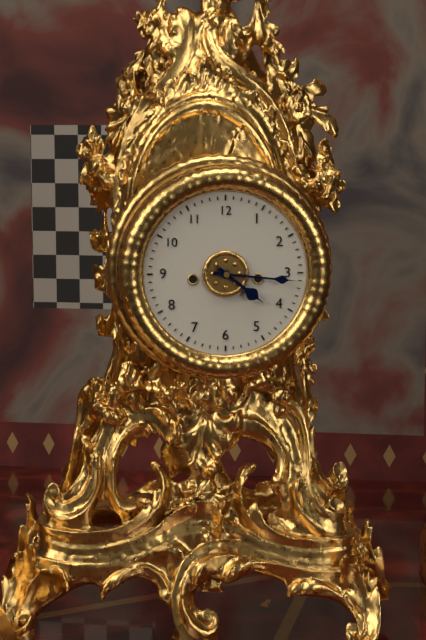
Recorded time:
4h16
